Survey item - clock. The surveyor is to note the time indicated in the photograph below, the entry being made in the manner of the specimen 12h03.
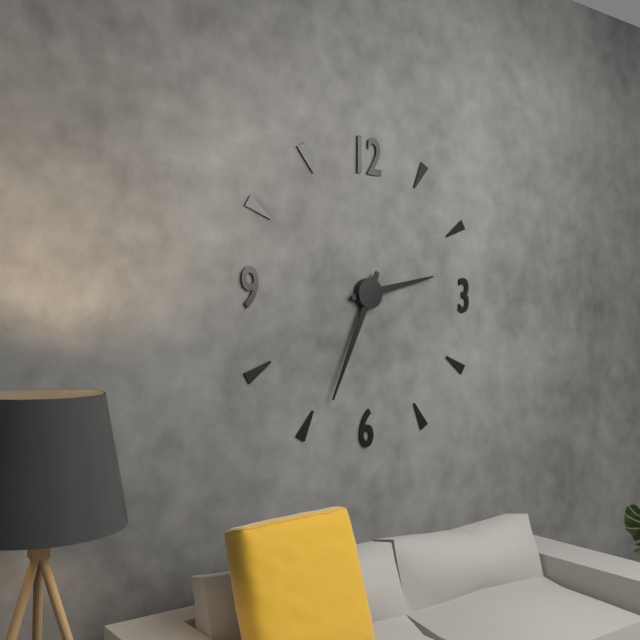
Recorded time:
2h34
